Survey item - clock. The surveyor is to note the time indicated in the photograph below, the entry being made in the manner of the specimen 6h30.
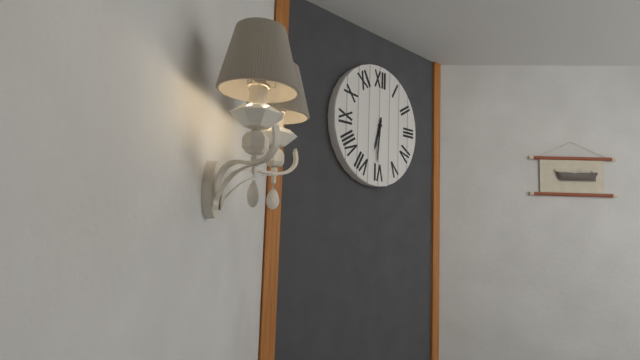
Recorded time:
6h31
